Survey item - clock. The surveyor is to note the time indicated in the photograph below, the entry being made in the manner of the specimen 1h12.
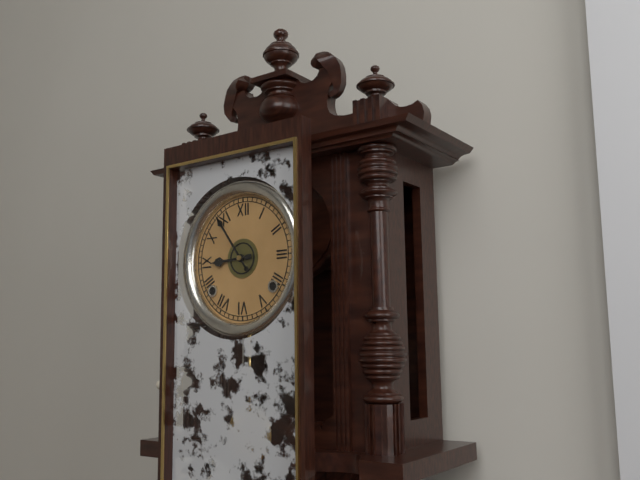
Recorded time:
8h54
